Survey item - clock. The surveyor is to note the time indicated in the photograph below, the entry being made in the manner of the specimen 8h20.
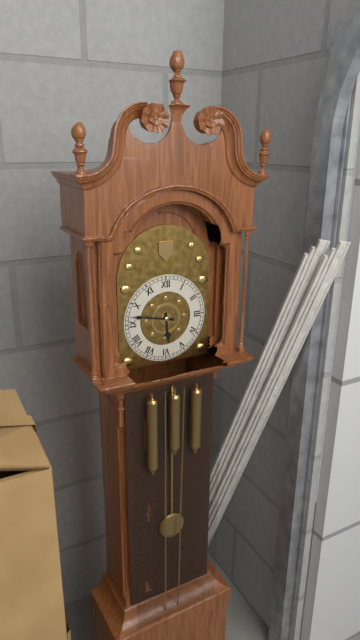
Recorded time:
5h47
